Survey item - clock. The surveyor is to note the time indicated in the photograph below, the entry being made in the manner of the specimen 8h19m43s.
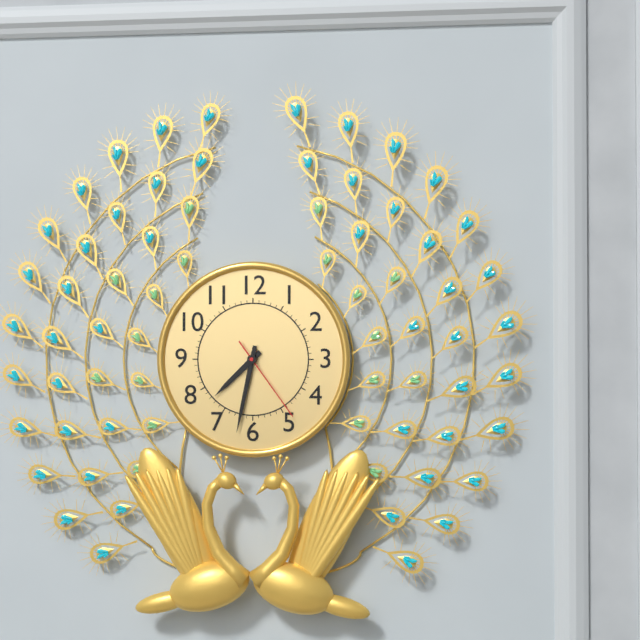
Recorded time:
7h32m24s
